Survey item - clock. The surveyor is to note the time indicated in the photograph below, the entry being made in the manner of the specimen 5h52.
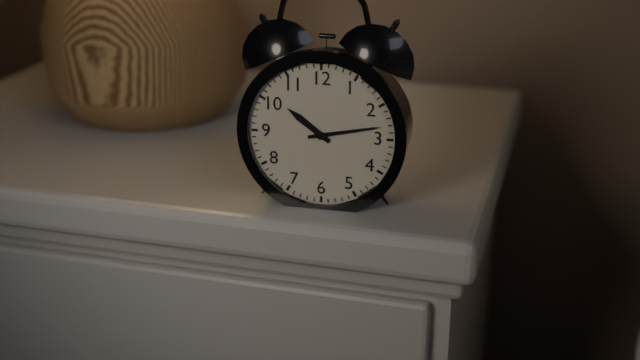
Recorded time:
10h13
